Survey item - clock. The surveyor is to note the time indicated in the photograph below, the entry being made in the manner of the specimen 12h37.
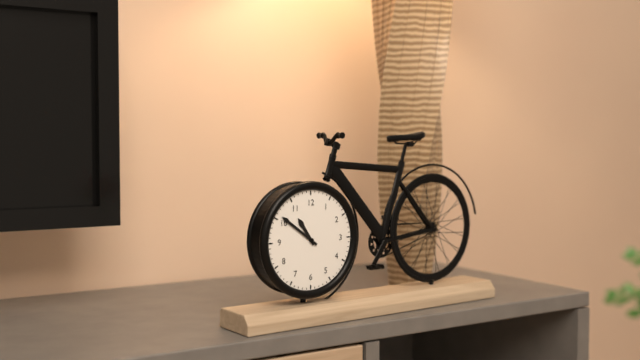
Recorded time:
10h51
